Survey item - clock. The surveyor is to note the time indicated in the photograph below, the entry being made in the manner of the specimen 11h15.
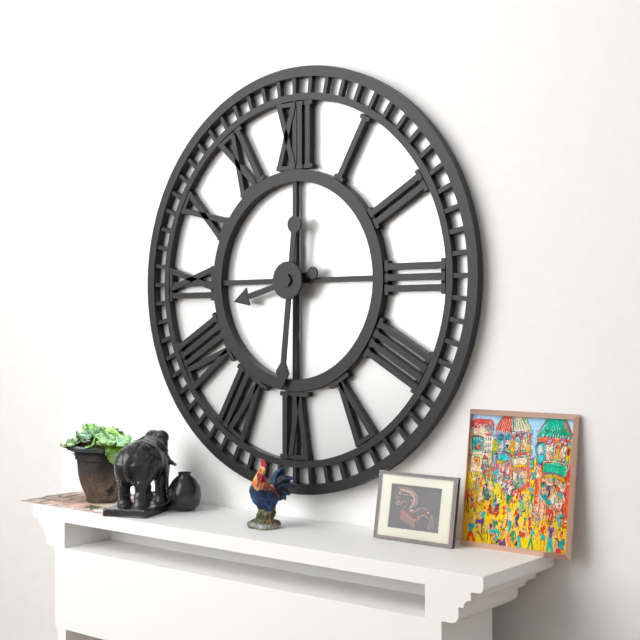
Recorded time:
8h31
